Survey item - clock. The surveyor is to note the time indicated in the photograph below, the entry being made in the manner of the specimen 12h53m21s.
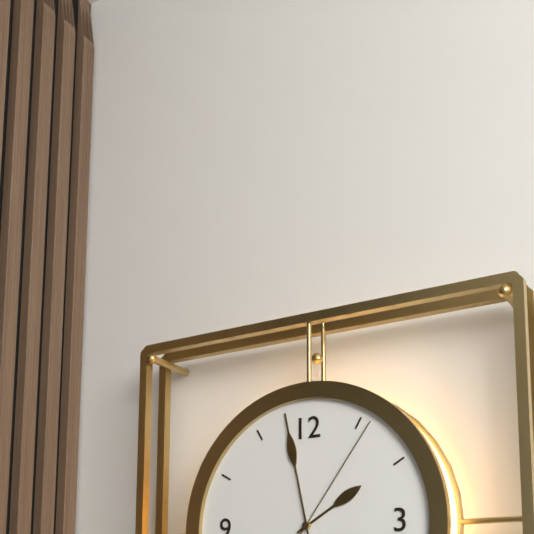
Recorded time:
1h58m06s
